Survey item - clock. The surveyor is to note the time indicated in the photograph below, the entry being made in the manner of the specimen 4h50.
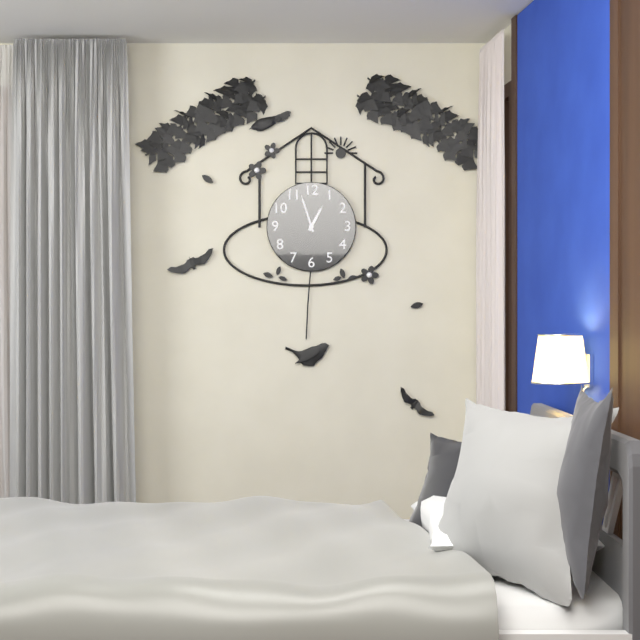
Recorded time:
12h57
